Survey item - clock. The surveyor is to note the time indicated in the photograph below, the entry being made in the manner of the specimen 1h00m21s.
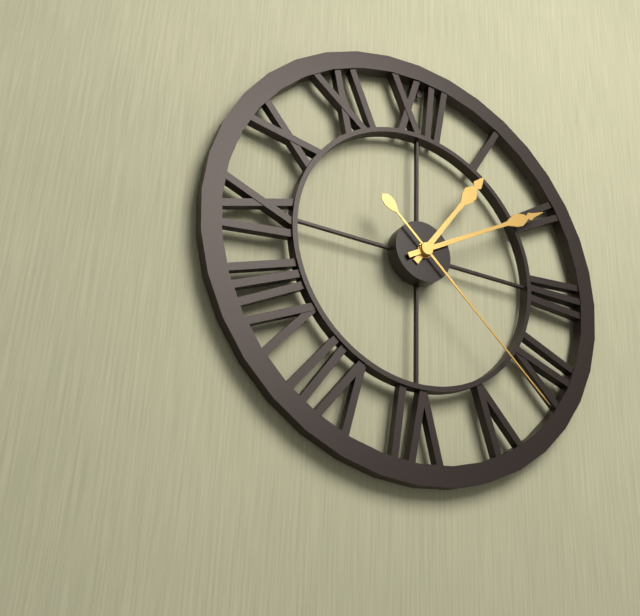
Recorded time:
1h10m22s
